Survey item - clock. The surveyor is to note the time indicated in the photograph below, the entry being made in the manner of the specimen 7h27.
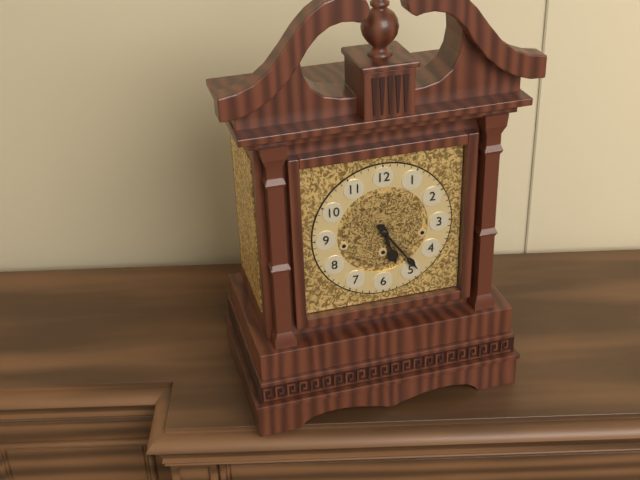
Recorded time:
5h24
